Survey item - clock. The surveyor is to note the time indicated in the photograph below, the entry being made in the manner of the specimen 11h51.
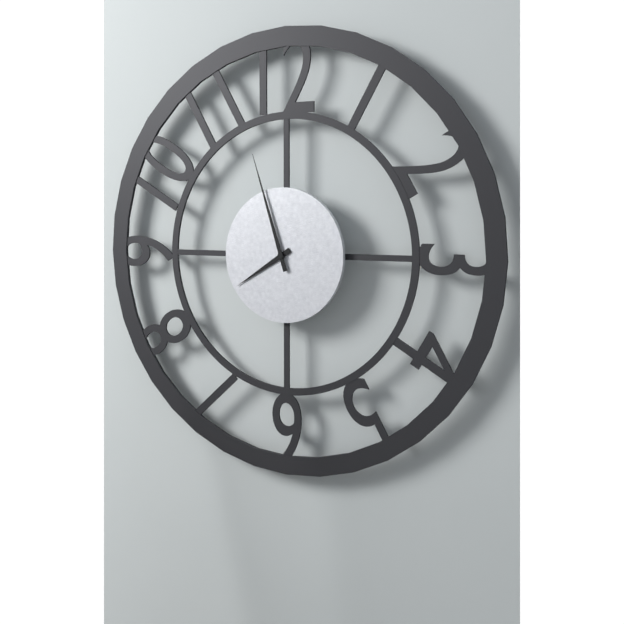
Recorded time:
7h57
